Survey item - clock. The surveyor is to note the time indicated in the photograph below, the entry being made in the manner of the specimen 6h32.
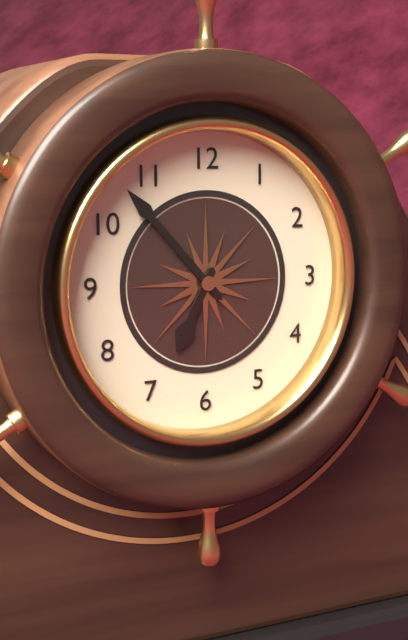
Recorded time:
6h53
